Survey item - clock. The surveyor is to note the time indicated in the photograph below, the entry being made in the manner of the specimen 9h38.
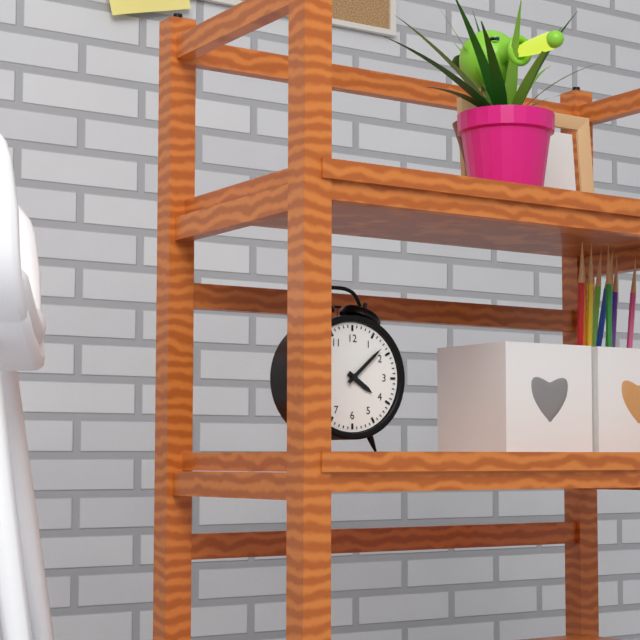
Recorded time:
4h08
